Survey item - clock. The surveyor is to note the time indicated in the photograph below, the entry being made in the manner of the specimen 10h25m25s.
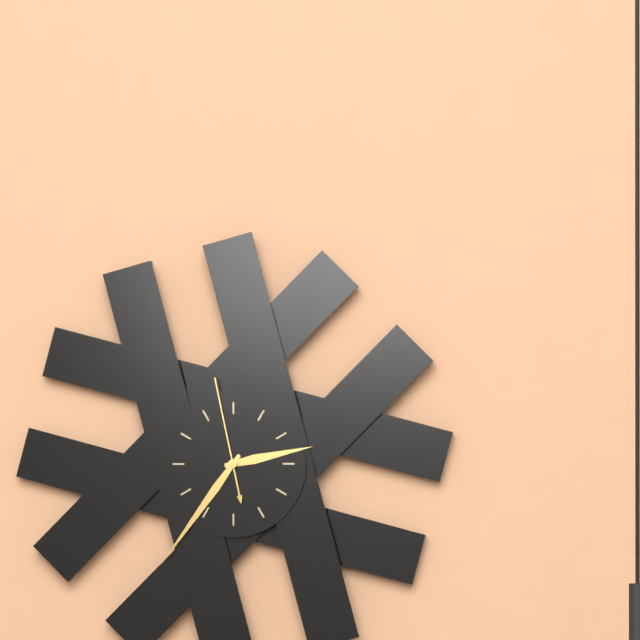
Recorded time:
2h36m58s
